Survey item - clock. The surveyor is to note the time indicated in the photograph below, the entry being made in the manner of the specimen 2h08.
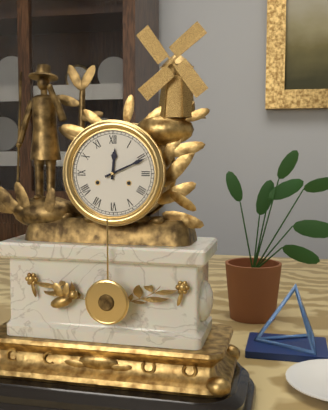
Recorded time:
12h11
